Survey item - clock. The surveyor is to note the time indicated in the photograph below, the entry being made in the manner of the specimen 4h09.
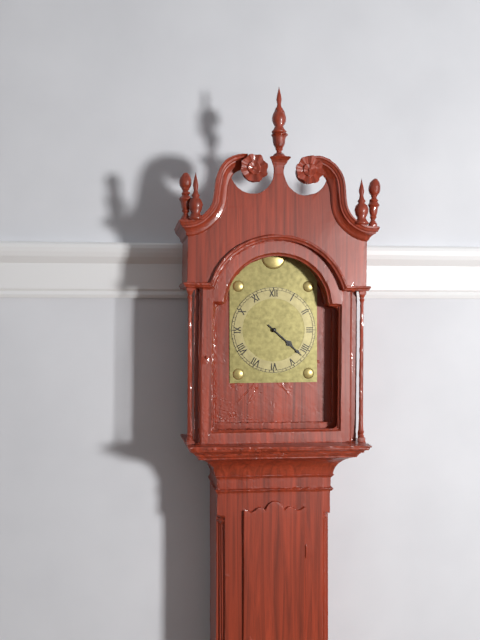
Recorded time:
4h22
